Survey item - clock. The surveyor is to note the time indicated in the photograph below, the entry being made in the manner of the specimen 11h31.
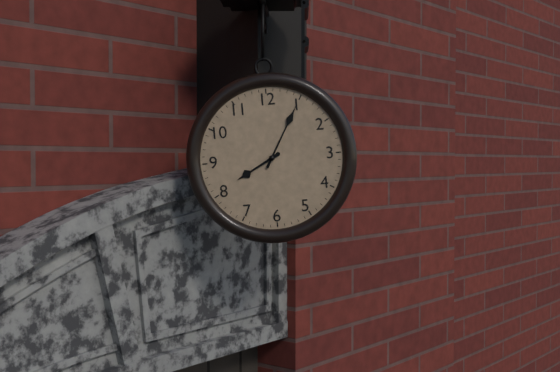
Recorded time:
8h05
